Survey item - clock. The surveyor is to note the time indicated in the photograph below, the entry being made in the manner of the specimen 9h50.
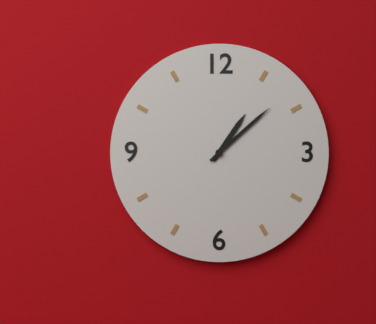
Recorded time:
1h08
